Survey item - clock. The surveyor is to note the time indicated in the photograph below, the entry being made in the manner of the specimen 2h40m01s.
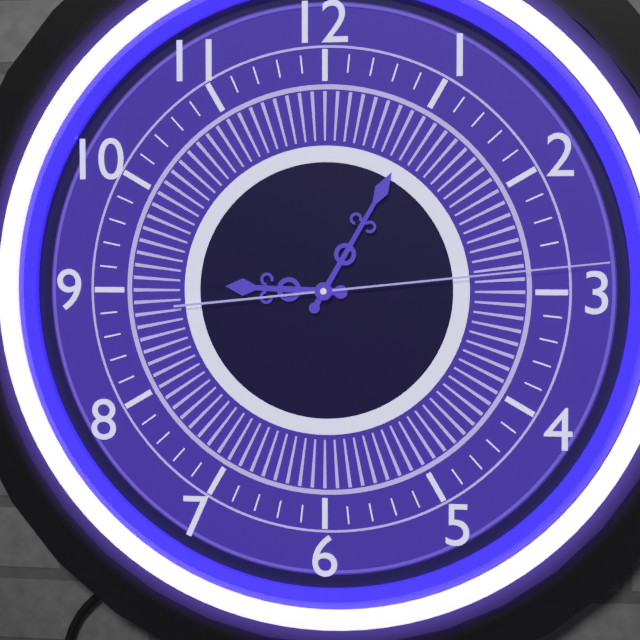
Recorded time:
9h05m14s
